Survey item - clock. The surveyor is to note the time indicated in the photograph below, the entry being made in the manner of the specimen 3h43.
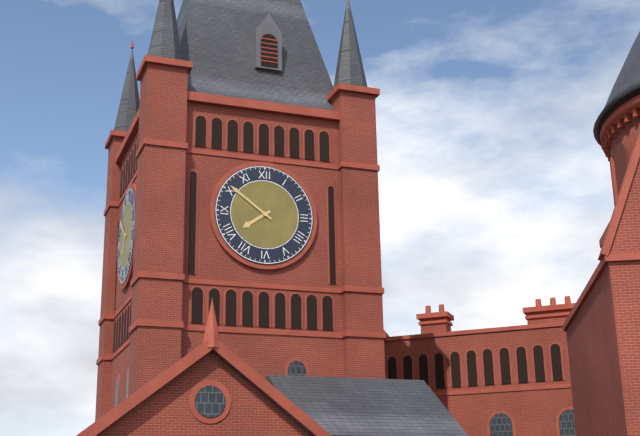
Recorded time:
7h51
